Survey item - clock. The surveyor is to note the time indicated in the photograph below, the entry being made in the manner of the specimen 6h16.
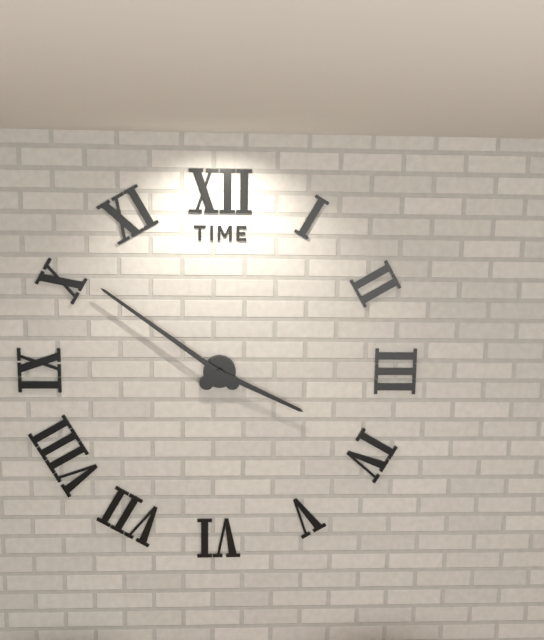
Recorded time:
3h51
